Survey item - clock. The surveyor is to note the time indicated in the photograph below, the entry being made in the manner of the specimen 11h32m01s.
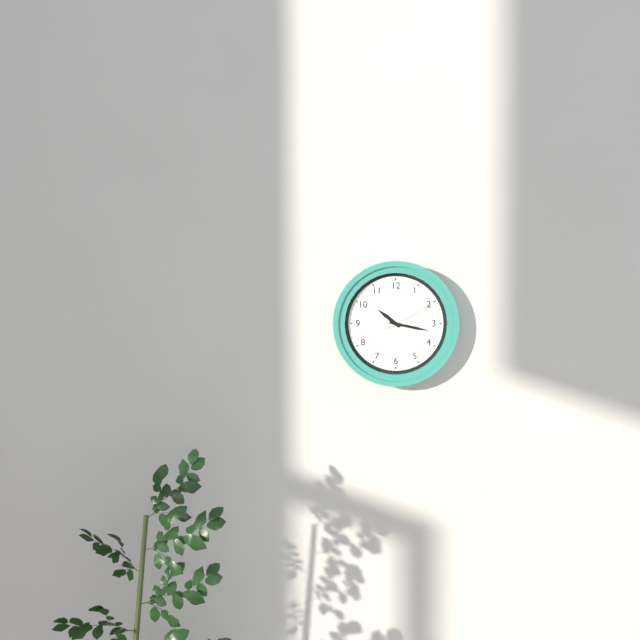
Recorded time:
10h17m10s
